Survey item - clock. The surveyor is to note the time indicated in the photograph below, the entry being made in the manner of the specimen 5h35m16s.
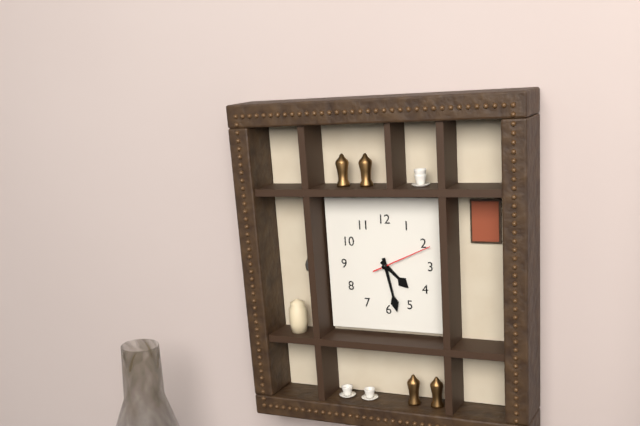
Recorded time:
4h28m11s
